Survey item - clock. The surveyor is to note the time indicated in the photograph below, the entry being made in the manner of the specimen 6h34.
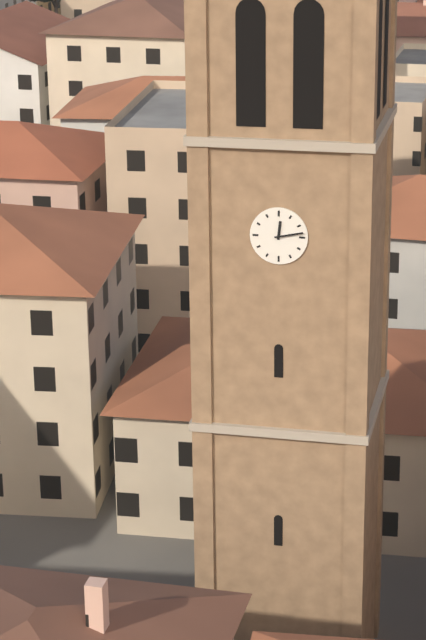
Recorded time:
12h13
